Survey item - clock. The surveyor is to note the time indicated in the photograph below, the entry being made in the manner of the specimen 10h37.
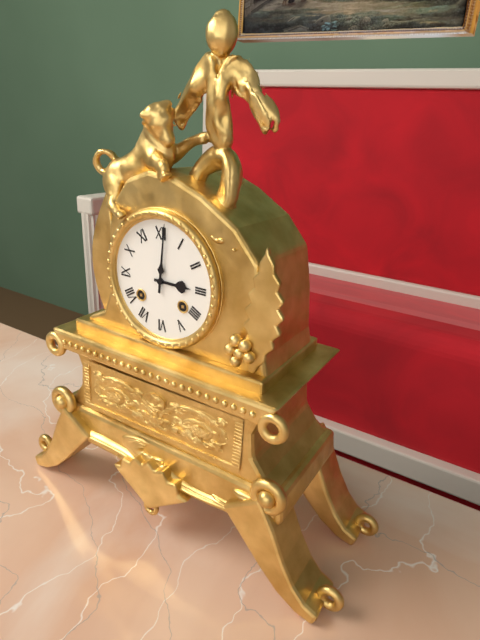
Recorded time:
3h01
